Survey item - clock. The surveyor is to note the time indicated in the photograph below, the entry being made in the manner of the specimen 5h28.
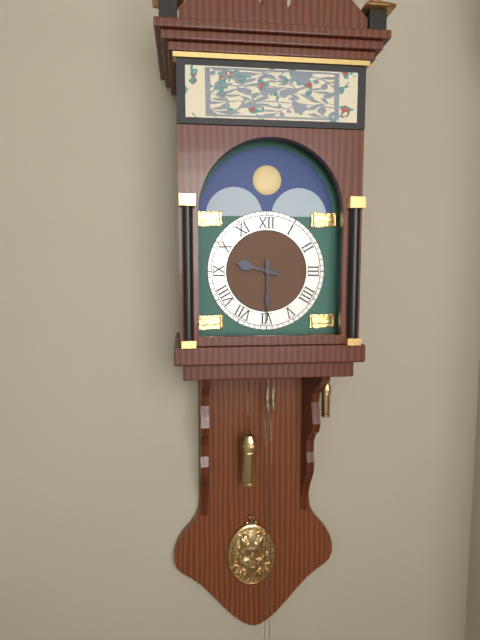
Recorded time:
9h30
